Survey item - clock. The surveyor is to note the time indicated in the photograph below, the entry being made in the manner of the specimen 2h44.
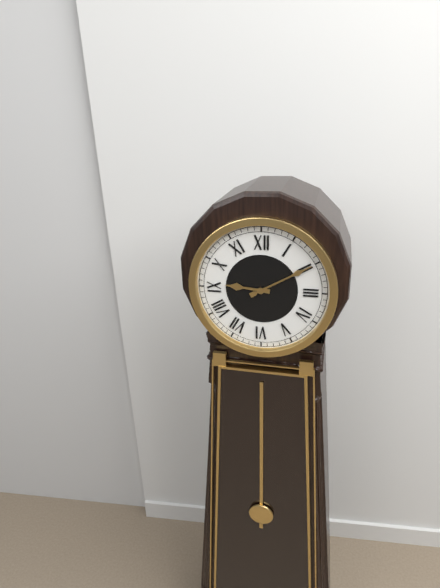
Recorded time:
9h10
